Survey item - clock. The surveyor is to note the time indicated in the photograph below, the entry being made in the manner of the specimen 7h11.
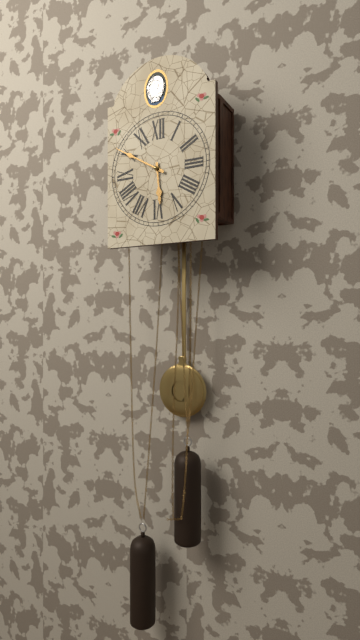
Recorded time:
5h50
